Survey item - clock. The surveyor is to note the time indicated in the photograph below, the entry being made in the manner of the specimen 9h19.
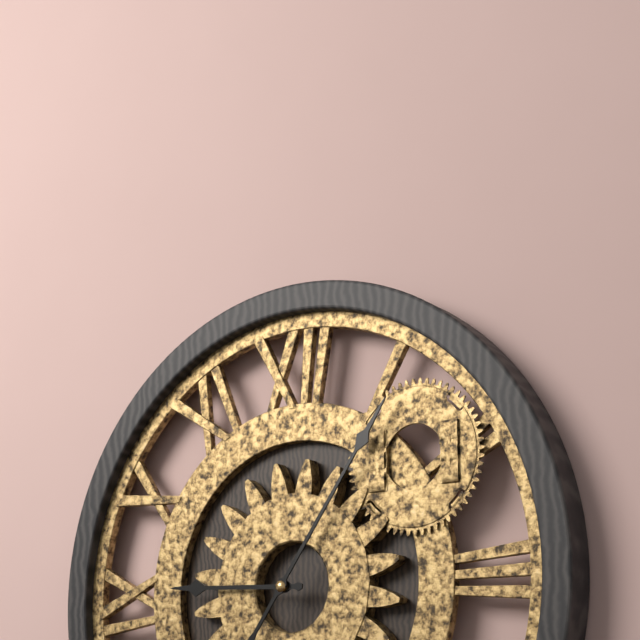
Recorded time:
9h06
